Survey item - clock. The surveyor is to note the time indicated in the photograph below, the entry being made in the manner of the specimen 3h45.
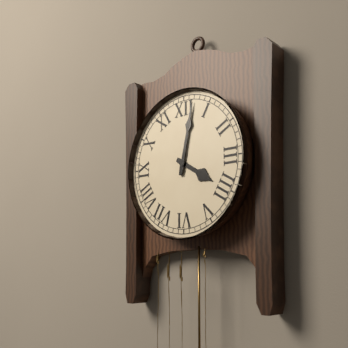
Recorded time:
4h02
